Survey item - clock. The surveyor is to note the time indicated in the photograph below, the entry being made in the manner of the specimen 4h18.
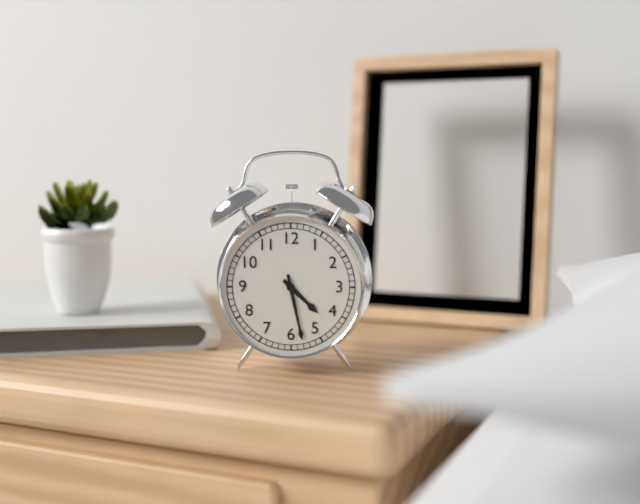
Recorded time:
4h28
